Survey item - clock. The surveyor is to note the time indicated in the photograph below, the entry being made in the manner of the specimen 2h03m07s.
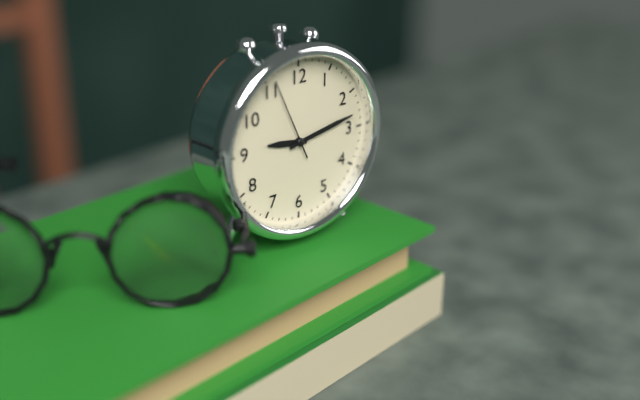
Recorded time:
9h13m56s
